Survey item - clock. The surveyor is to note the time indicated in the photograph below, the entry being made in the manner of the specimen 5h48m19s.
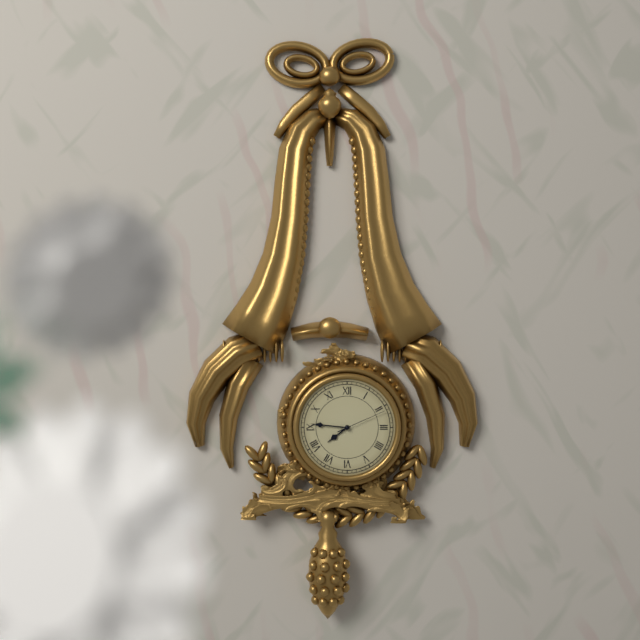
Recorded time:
7h46m11s
